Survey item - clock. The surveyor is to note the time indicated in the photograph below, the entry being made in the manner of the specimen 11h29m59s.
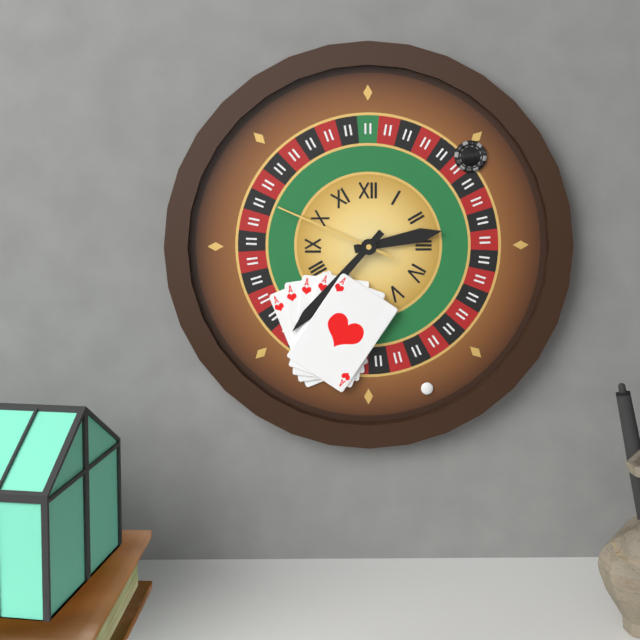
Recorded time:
2h37m49s
